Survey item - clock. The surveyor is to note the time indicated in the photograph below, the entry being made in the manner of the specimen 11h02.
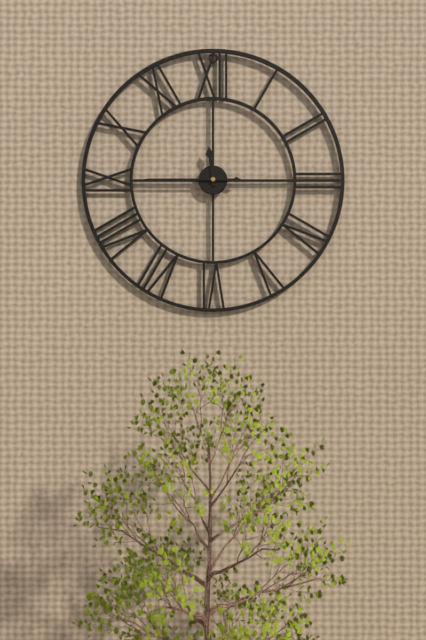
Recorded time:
11h45
